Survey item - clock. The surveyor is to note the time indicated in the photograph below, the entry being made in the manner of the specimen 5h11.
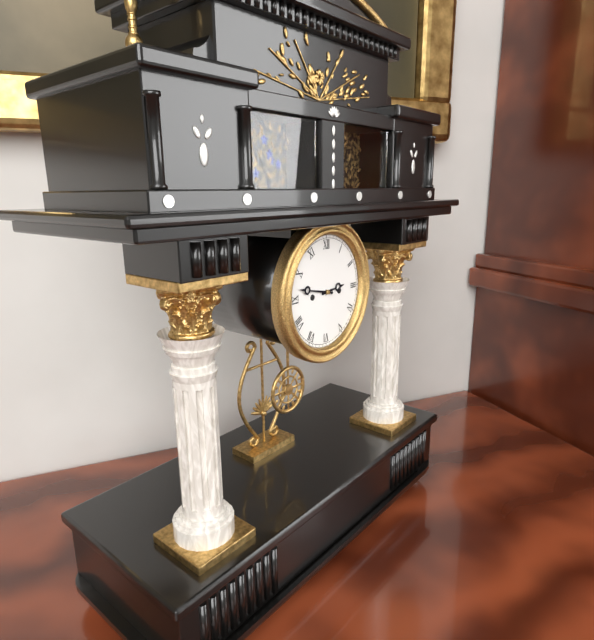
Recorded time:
2h47
